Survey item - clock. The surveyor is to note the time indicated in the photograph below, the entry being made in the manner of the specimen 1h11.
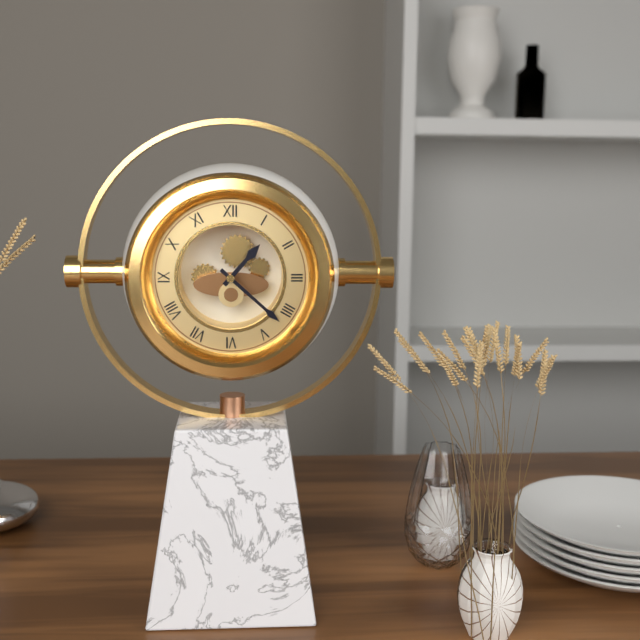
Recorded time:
1h22
